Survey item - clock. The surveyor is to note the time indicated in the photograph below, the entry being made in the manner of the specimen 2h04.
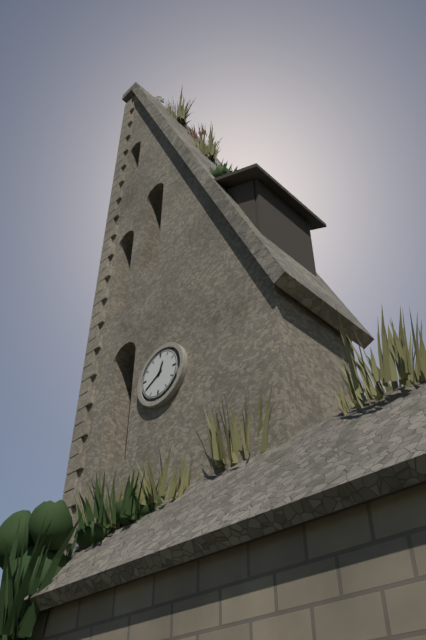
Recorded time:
12h40
